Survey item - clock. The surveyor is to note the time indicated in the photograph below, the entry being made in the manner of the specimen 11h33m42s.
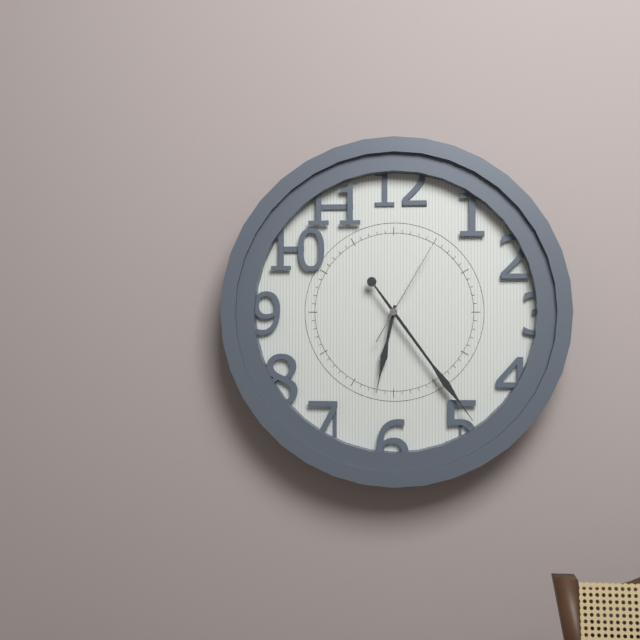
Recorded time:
6h24m05s
